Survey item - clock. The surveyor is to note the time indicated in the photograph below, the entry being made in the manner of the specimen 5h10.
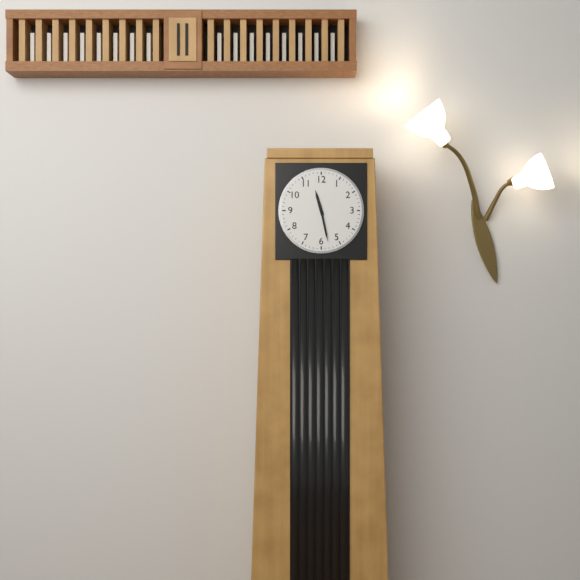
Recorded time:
11h28
